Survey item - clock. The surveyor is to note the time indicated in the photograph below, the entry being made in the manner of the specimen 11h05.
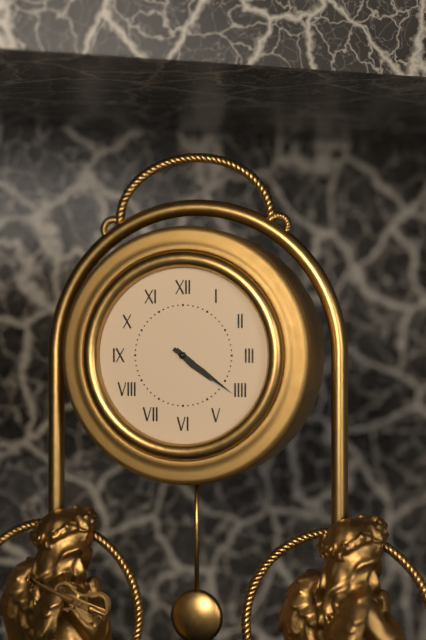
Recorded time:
4h21
